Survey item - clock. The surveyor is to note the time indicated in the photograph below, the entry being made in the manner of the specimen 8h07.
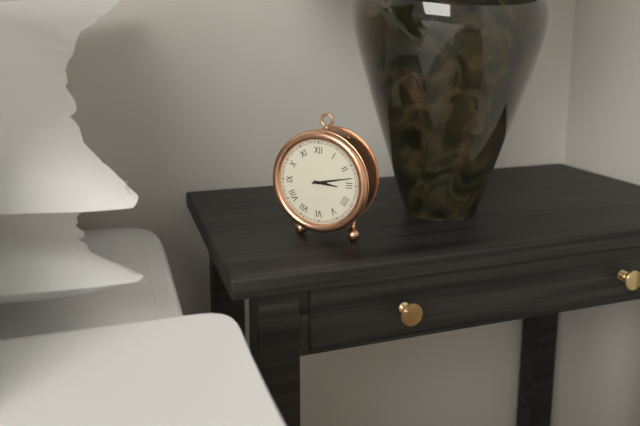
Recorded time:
3h13
